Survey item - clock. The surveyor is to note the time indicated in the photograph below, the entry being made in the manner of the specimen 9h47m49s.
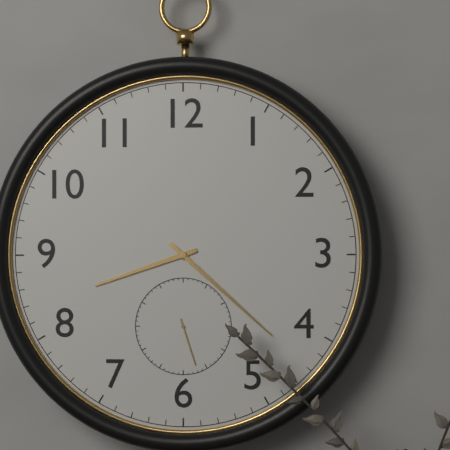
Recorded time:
8h22m27s
